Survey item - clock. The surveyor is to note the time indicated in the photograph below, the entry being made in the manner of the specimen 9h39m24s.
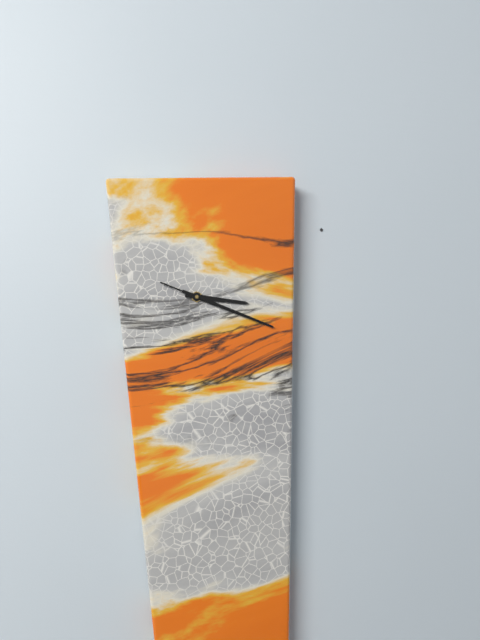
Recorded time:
3h19m19s
